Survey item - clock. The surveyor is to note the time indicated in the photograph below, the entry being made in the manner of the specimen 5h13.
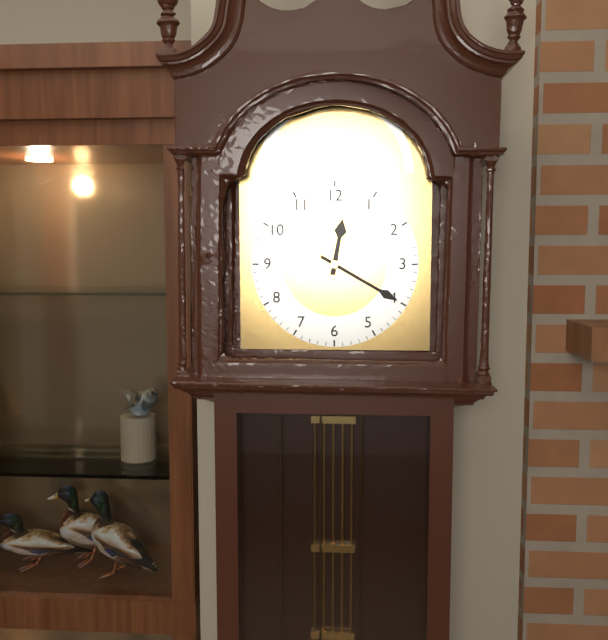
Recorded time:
12h20
